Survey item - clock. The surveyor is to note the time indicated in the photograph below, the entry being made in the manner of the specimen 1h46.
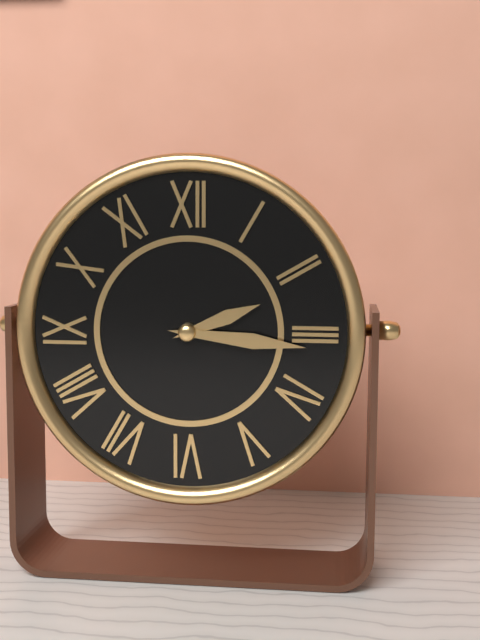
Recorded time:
2h16
